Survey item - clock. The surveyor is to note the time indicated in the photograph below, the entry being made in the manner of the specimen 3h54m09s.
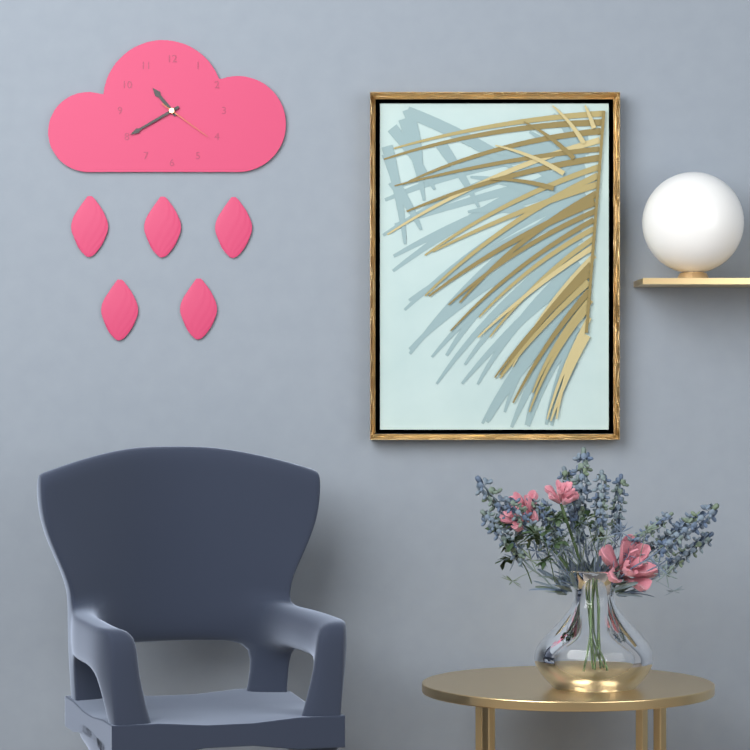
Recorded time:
10h40m21s
